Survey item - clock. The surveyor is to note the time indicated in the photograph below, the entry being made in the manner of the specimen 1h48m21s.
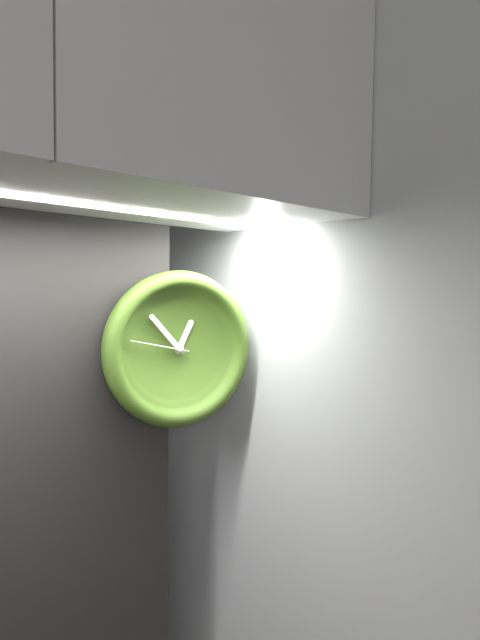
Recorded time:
12h53m47s
